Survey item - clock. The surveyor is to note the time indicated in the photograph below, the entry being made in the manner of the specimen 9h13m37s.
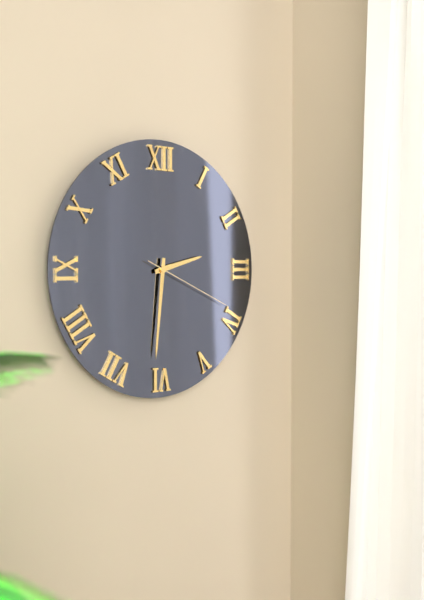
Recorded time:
2h31m19s
